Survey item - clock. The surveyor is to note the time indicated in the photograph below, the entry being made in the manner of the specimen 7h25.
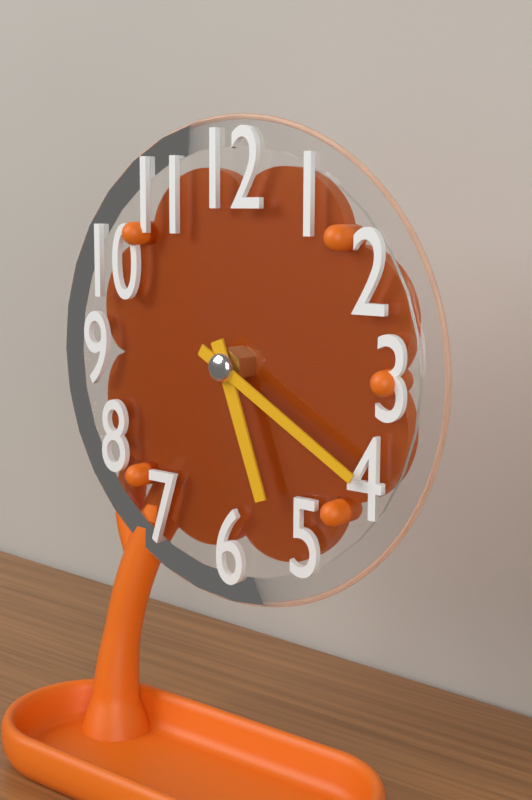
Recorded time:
5h20
